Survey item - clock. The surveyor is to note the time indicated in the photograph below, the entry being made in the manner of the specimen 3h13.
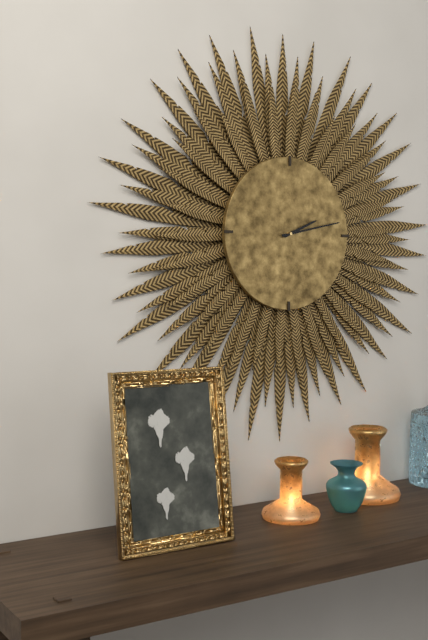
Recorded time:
2h13
